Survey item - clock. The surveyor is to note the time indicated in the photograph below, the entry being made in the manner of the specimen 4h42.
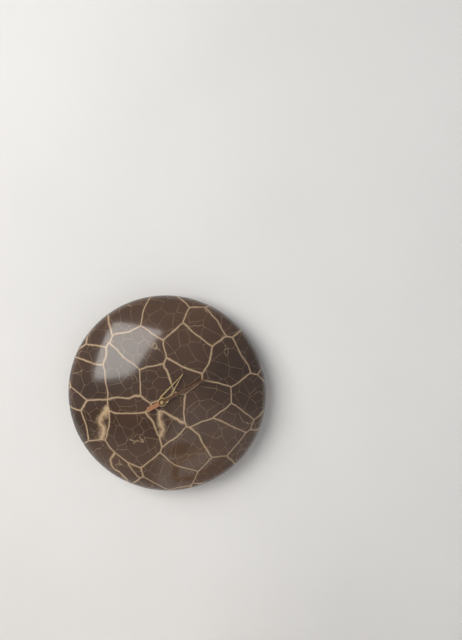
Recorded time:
1h10
